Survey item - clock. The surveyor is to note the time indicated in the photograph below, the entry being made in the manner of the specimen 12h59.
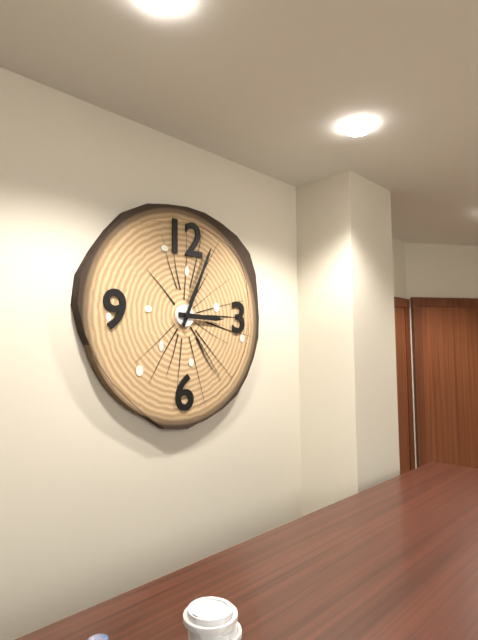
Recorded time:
3h04
